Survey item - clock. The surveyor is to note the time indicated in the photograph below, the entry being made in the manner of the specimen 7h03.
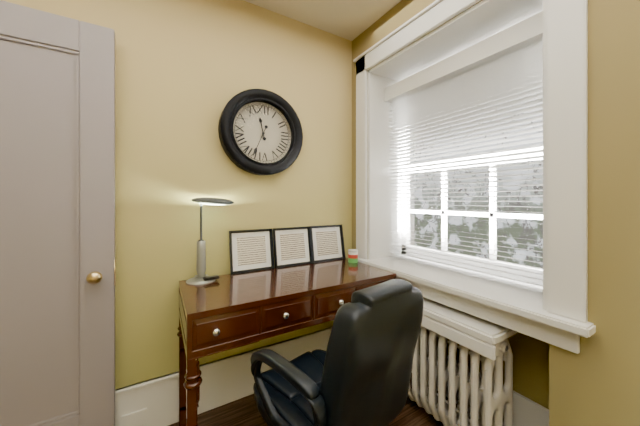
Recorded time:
11h34
